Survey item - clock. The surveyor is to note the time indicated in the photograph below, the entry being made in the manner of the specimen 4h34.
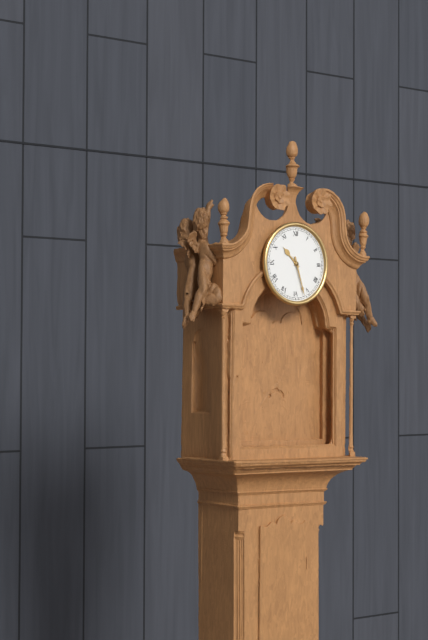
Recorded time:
10h27
